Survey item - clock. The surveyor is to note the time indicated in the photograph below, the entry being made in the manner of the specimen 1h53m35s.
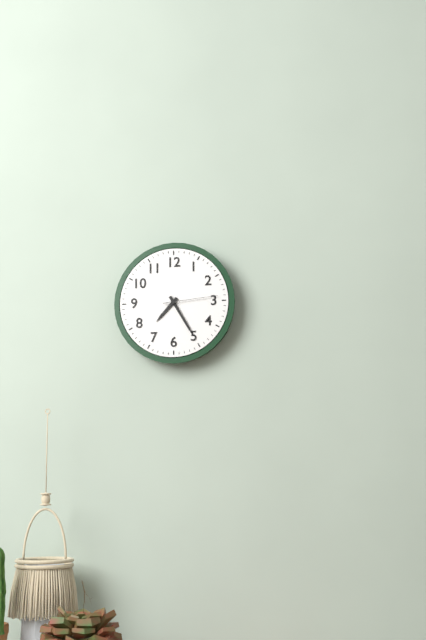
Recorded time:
7h25m14s
